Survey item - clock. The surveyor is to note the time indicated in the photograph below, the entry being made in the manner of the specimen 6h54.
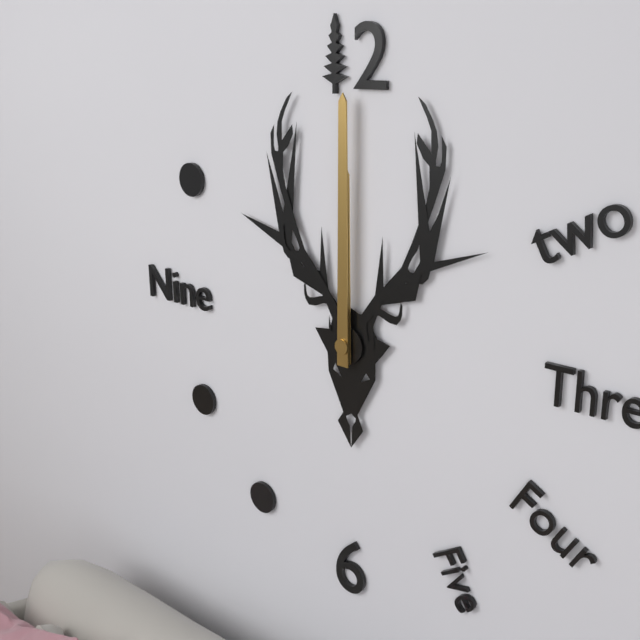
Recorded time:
12h00
